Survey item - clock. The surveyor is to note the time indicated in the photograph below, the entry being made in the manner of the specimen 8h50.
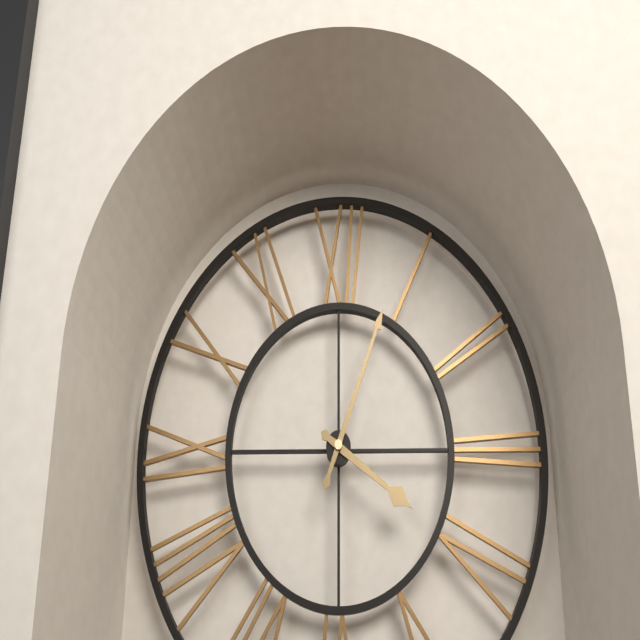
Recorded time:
4h04
